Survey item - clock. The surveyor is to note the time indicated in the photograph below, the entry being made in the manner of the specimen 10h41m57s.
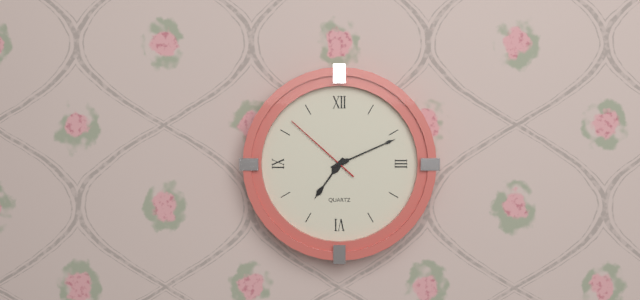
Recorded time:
7h11m52s
